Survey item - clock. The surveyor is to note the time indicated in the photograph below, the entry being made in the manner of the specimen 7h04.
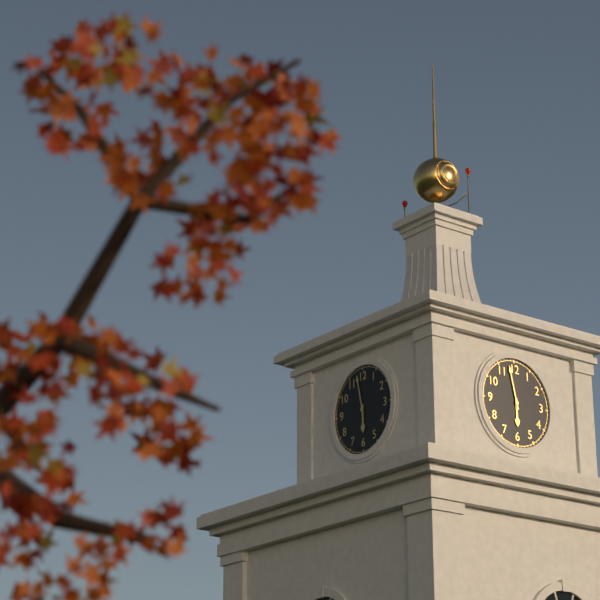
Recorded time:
5h58
